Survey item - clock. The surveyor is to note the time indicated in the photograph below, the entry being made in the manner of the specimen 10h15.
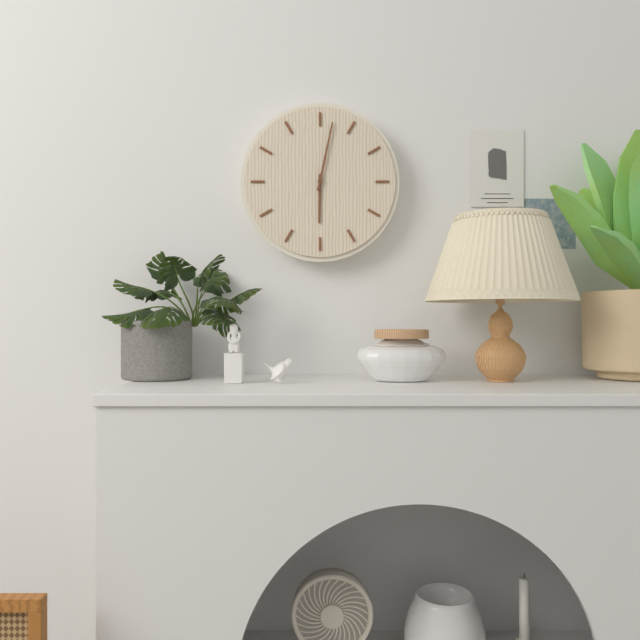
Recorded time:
6h02
